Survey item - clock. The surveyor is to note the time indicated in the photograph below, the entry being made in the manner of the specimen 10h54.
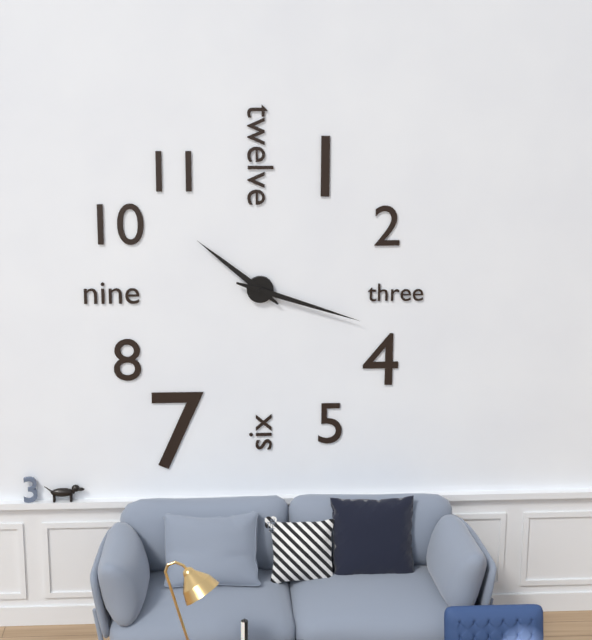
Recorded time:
10h18
